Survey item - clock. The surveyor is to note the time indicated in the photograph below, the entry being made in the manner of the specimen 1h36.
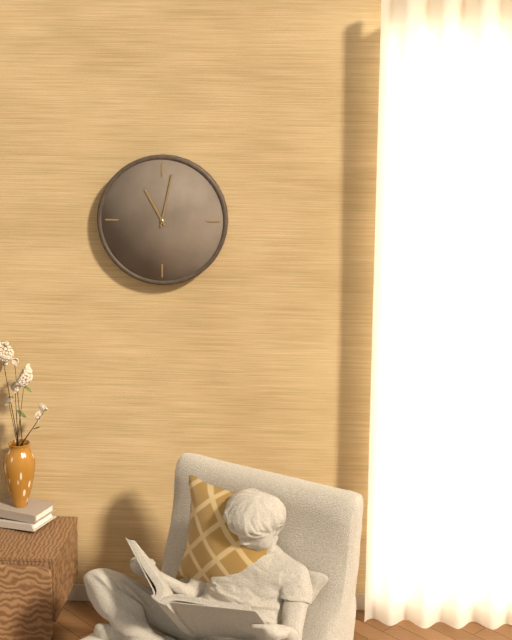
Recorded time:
11h02
